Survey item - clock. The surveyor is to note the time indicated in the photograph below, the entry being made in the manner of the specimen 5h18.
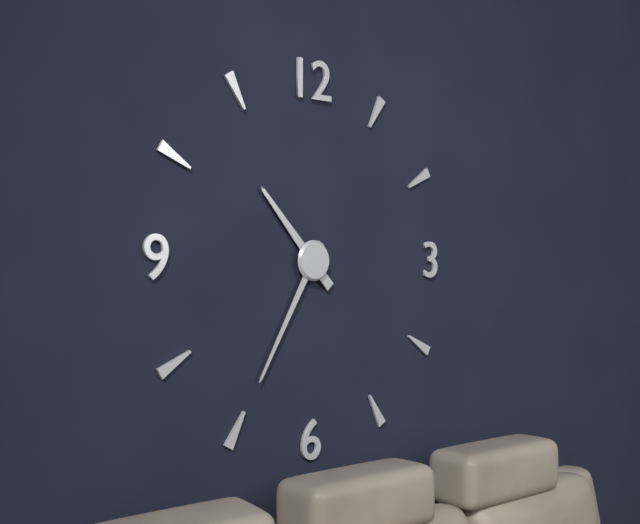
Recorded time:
10h35
